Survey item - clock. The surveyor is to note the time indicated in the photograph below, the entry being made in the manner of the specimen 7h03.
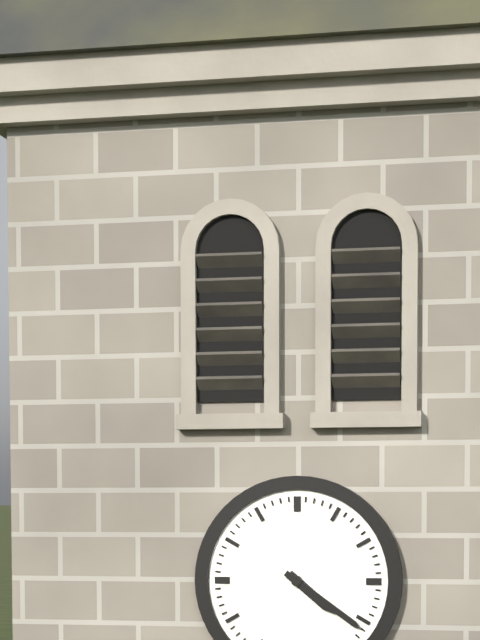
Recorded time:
4h21
